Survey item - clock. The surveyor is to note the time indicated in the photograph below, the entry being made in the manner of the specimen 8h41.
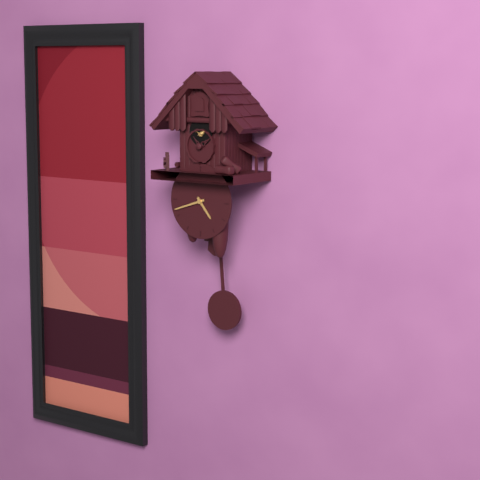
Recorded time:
4h42
